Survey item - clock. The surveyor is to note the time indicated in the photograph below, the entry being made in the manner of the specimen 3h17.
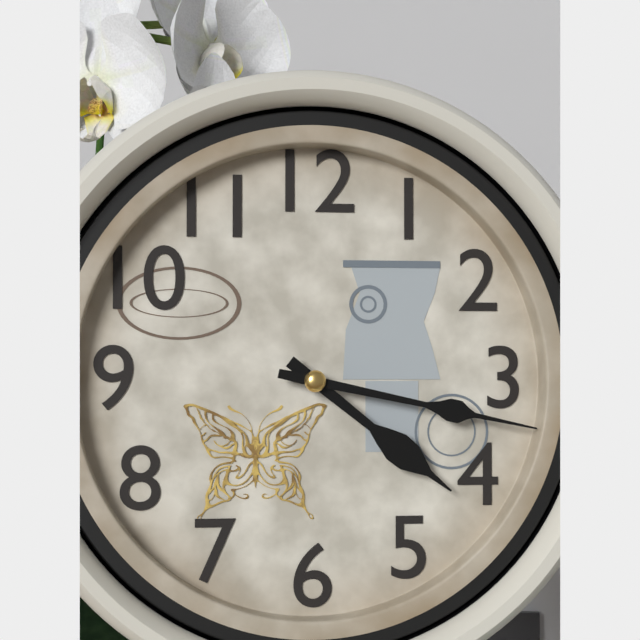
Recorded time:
4h17
